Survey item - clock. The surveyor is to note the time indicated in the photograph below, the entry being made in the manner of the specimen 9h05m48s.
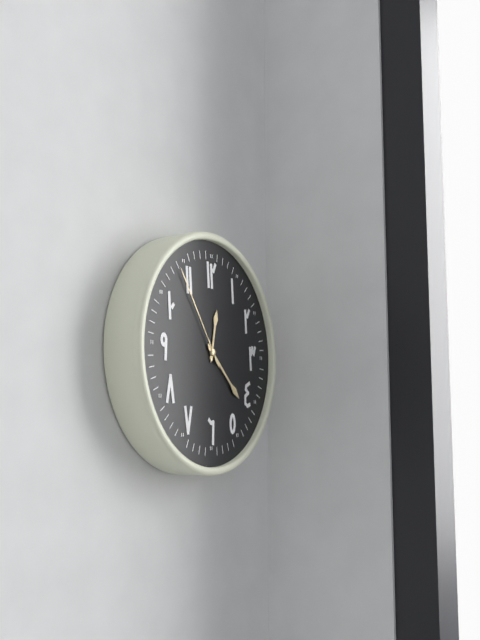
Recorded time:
12h22m54s
